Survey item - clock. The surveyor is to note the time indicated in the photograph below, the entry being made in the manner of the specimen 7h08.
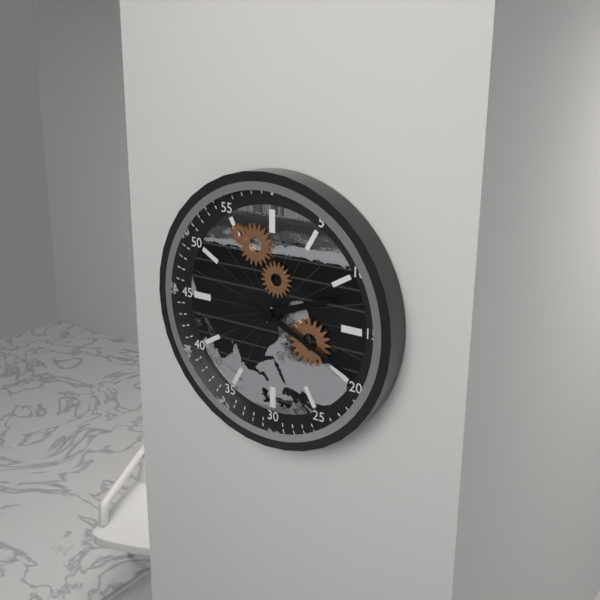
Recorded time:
2h19
